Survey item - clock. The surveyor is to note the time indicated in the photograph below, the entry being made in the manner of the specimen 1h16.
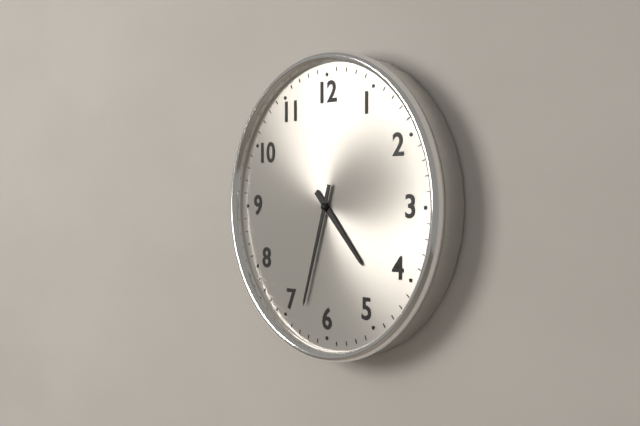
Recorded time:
4h33
